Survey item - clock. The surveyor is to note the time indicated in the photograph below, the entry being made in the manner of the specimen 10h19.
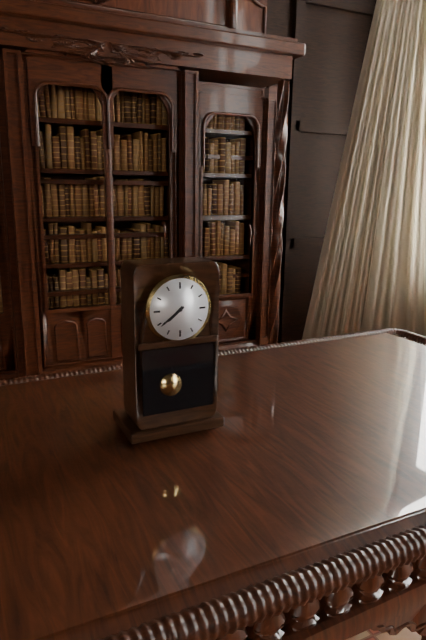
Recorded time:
7h39
